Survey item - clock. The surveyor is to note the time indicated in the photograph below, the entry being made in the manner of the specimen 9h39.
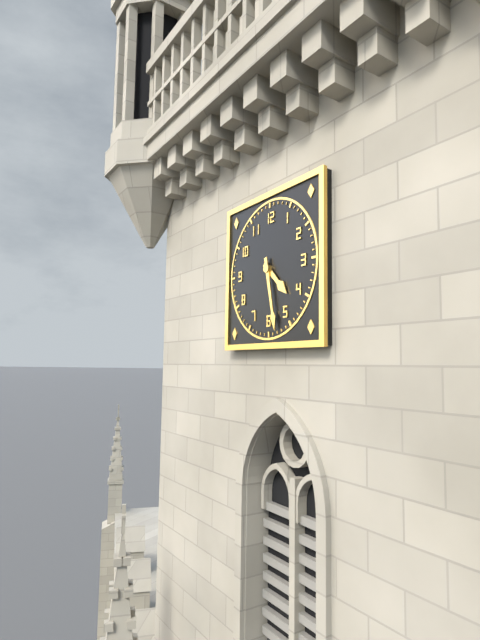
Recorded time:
4h28
